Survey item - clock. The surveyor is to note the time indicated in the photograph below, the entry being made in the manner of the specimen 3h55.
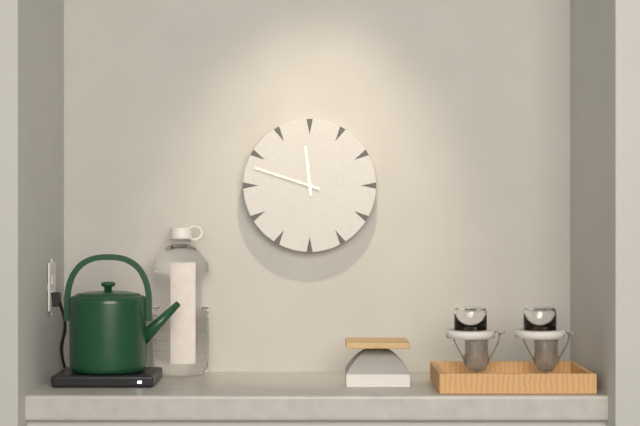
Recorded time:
11h48
